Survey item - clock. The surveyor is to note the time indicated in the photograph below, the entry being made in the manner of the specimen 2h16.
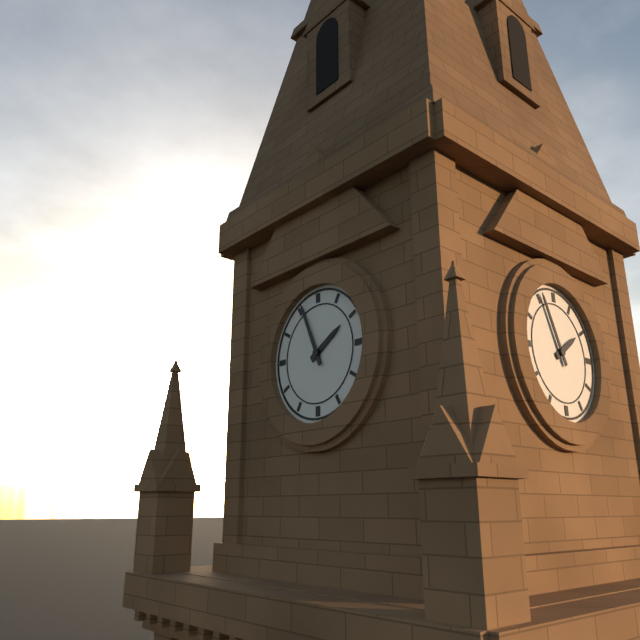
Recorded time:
1h56
